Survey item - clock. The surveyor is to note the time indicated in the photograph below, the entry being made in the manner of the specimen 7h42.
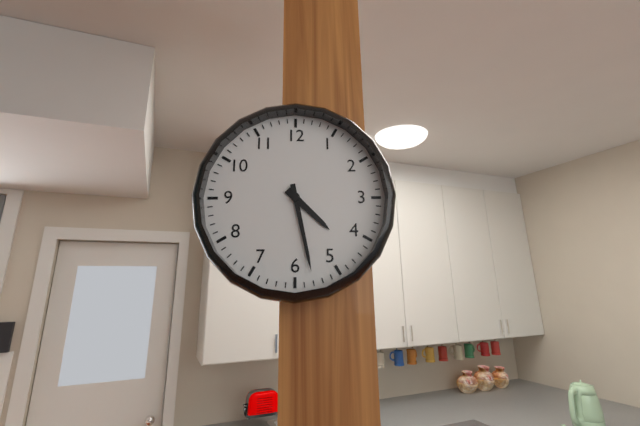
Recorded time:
4h28
